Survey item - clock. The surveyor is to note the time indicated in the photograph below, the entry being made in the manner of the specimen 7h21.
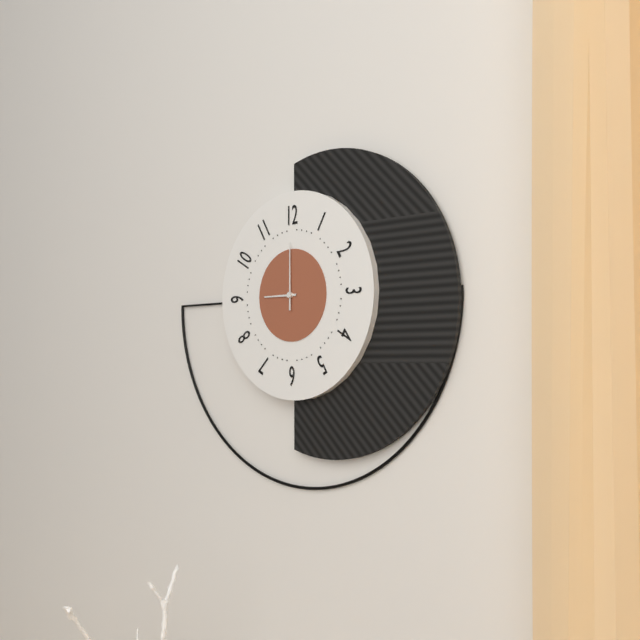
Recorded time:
9h00
